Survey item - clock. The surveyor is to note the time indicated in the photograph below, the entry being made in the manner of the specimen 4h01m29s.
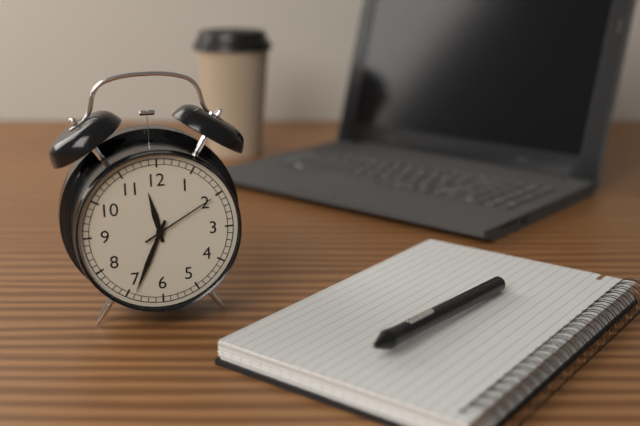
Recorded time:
11h34m10s
